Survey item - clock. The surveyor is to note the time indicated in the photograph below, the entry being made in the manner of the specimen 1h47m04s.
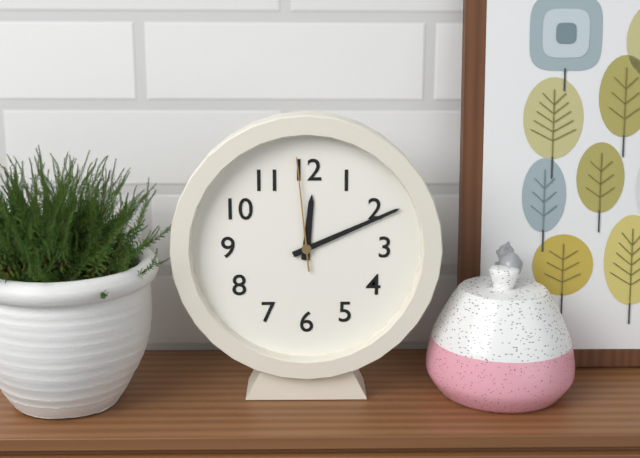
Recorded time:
12h11m59s
